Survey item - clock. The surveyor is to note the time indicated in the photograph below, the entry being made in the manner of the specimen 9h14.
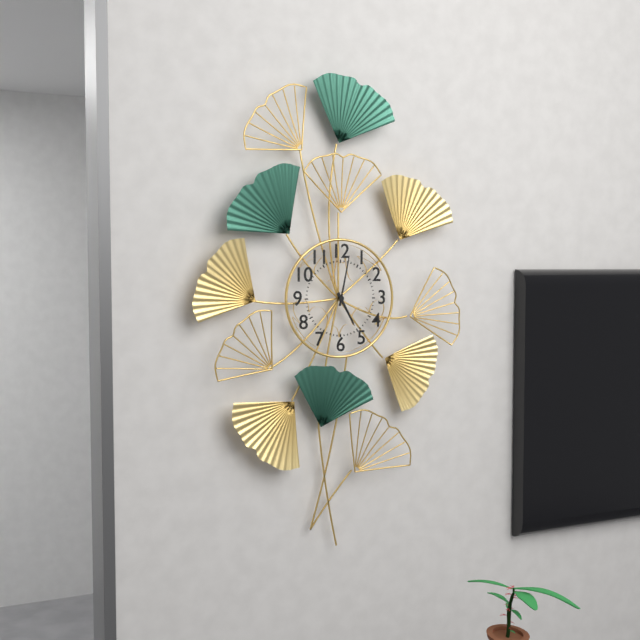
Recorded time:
5h02
